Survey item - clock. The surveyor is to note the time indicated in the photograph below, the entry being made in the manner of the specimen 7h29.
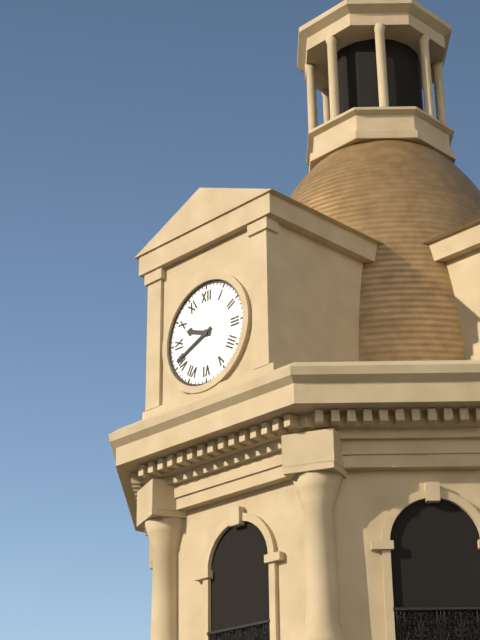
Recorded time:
9h41
